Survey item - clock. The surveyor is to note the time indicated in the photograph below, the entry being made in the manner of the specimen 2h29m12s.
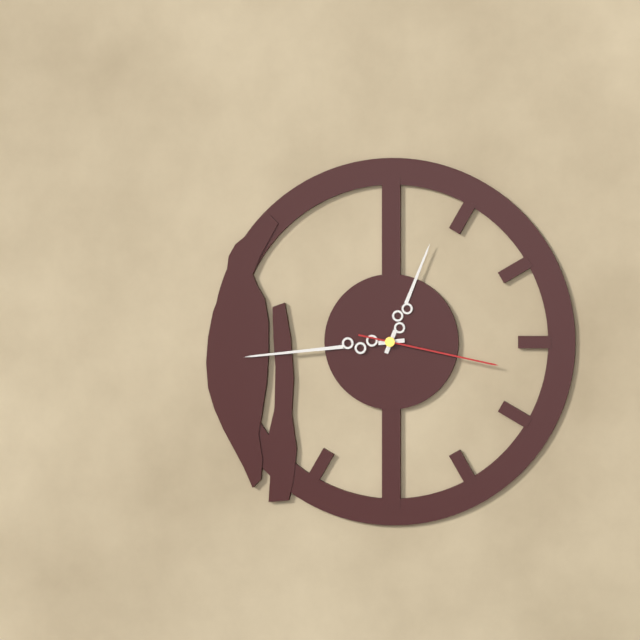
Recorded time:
12h44m17s
